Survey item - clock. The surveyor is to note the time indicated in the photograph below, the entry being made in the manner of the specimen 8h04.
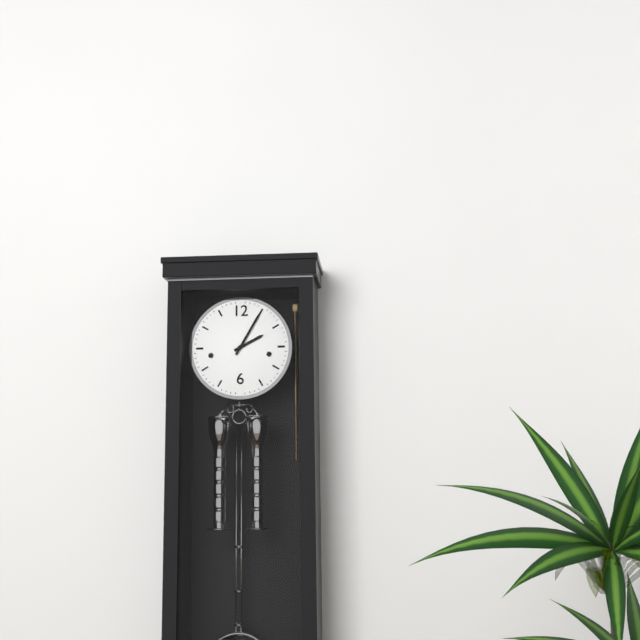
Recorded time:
2h05
